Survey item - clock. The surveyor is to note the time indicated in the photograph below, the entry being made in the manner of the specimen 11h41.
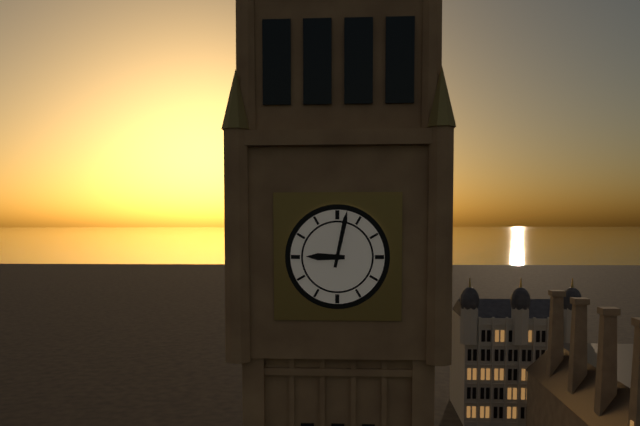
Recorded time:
9h02
